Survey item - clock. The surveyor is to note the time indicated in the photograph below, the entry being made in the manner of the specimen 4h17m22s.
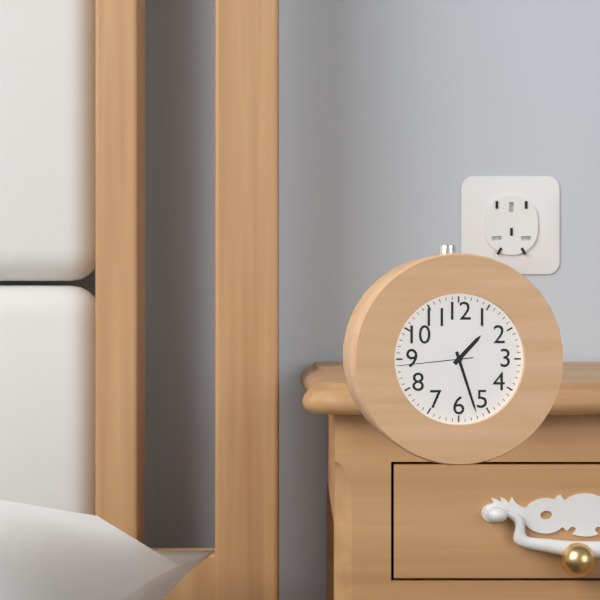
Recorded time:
1h27m44s
